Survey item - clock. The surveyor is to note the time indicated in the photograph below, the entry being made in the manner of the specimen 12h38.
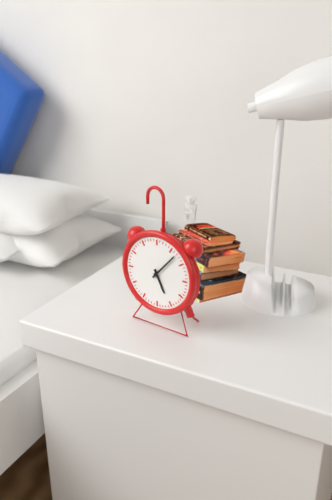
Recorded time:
5h07
